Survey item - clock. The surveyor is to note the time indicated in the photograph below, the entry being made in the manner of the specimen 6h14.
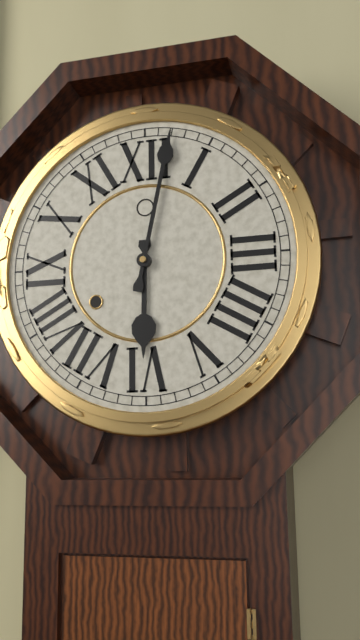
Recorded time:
6h02
